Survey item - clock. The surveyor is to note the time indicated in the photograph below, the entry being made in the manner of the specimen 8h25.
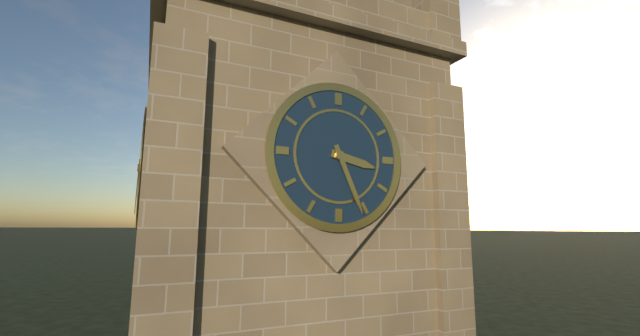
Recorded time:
3h26
